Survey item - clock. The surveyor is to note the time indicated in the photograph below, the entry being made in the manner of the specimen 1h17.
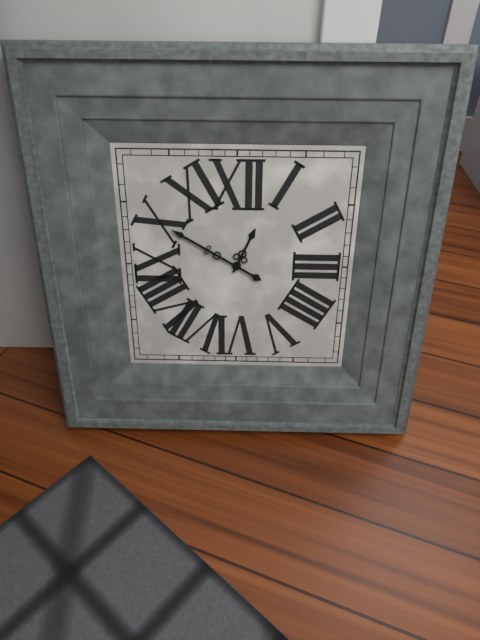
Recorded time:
12h50
